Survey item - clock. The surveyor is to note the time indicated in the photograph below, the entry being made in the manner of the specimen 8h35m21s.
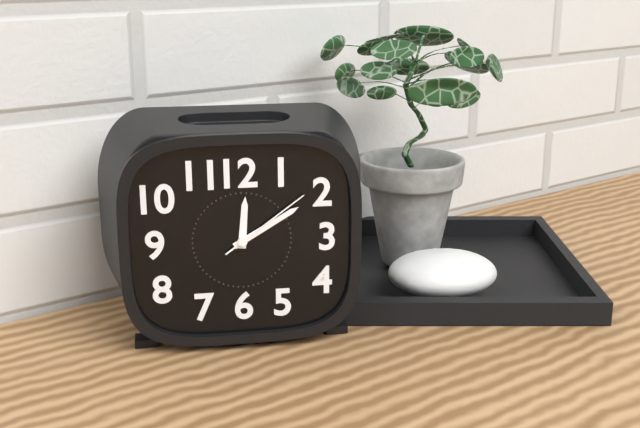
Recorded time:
12h10m09s
